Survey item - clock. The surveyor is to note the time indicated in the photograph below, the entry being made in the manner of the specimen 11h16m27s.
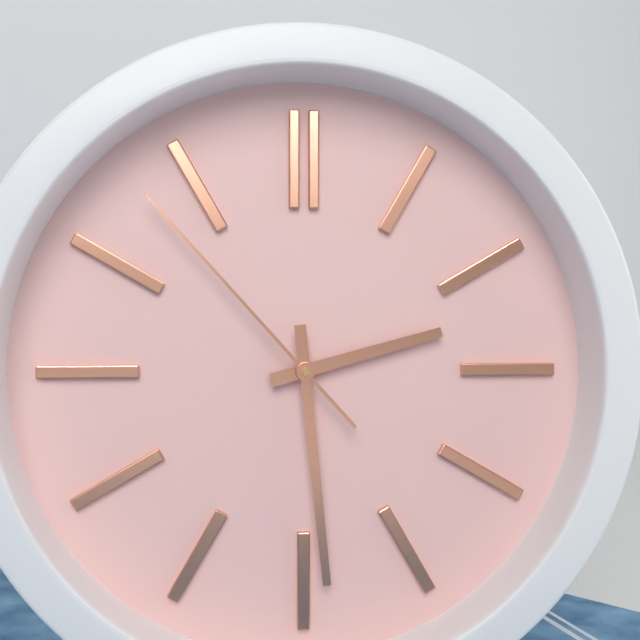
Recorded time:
2h29m53s
